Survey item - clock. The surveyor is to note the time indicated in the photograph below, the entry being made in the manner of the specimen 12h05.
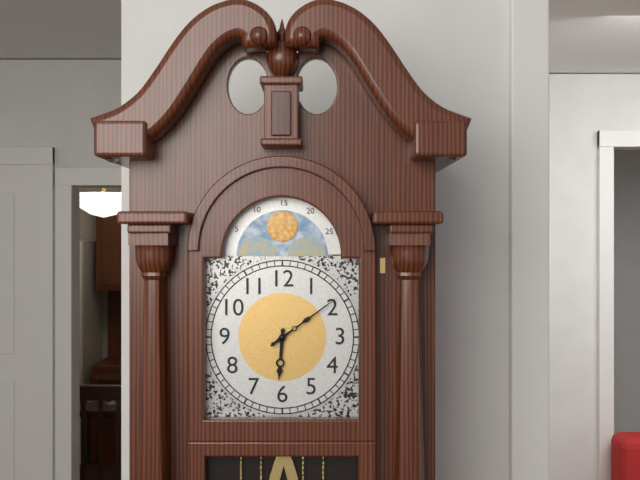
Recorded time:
6h09
